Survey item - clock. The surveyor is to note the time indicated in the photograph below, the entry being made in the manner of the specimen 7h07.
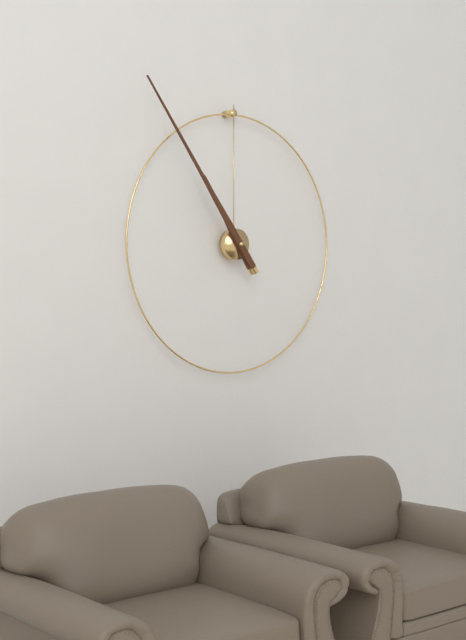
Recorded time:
10h54
